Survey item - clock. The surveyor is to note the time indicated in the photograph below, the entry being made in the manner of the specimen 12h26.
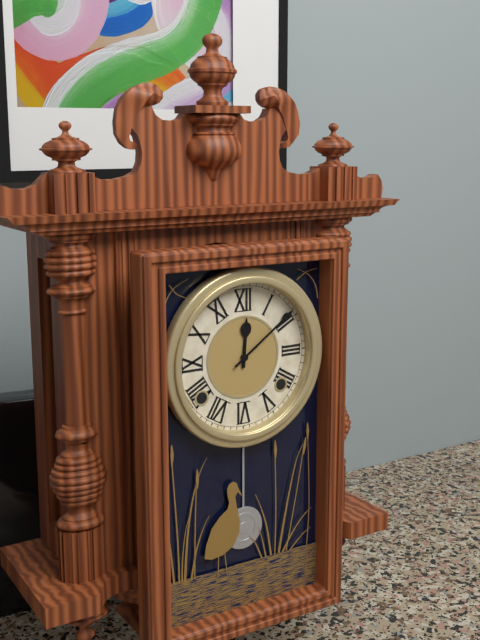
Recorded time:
12h09
